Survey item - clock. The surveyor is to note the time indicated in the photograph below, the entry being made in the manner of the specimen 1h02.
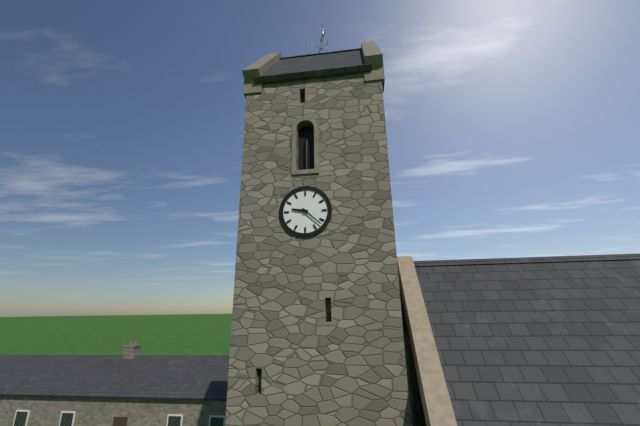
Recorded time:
9h22
